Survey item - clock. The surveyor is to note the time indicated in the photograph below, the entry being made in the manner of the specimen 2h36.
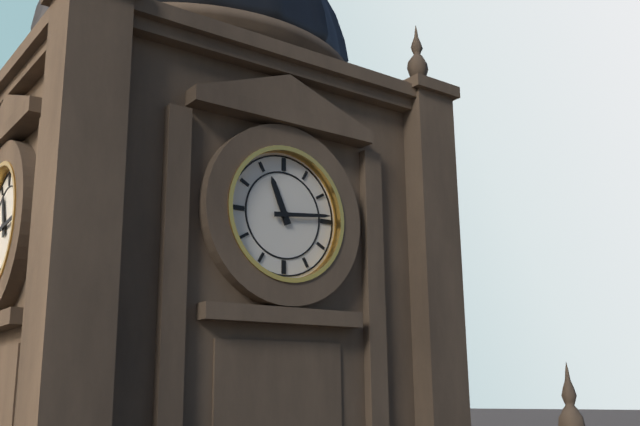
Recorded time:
11h14
